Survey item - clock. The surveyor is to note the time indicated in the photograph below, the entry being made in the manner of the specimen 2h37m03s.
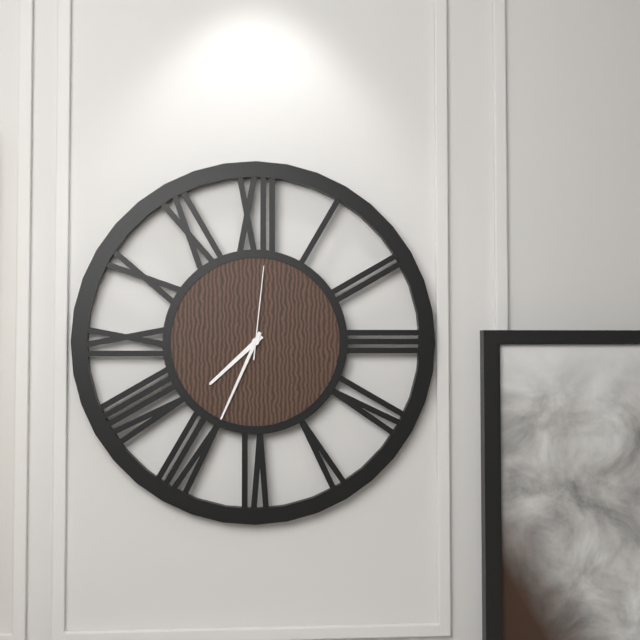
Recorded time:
7h34m01s
